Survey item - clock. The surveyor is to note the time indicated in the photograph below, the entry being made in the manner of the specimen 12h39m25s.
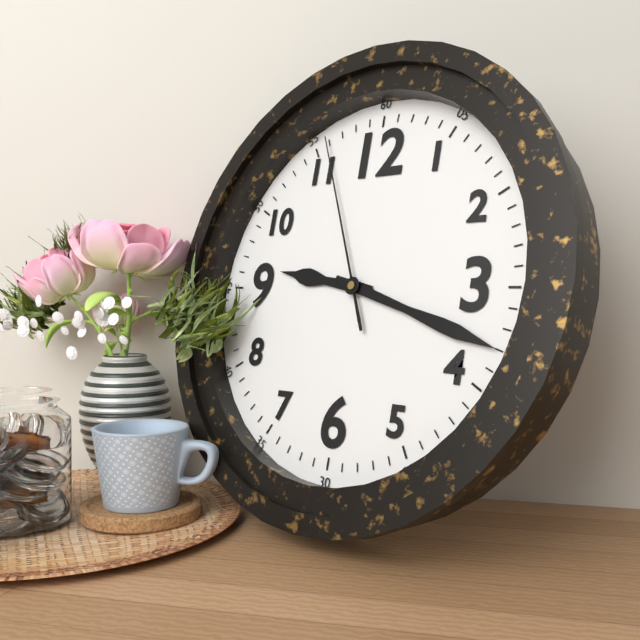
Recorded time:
9h18m56s
